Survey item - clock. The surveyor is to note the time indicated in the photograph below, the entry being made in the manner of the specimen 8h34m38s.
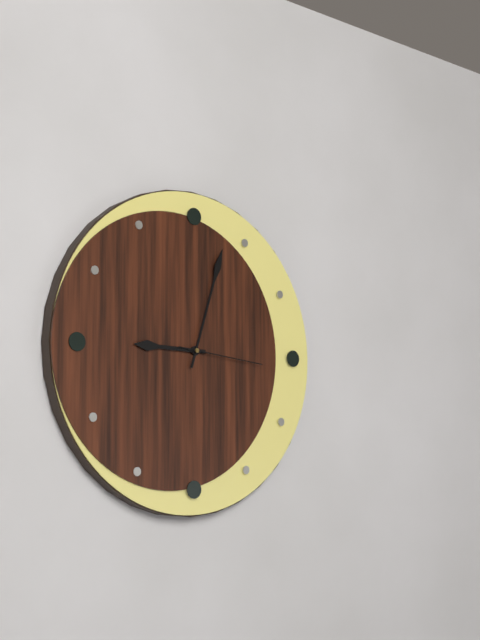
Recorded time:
9h03m16s
